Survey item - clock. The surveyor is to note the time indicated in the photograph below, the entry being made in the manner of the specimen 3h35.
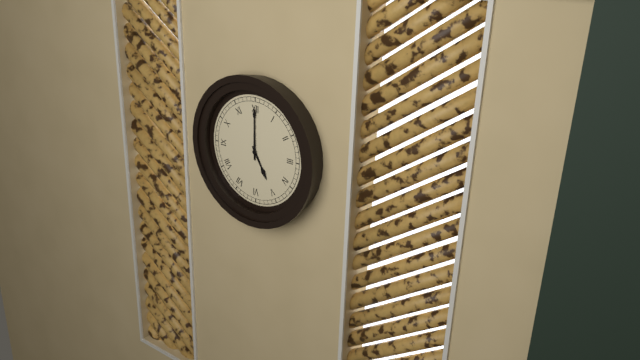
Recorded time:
5h00
